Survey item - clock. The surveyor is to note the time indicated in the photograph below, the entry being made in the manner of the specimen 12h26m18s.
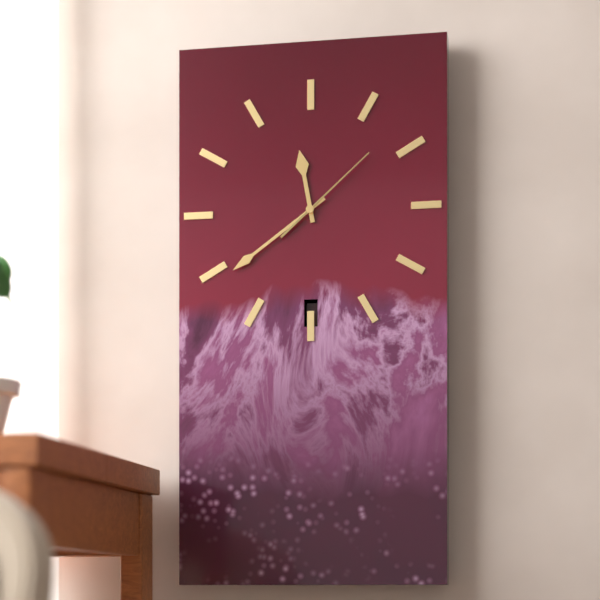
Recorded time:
11h39m08s
